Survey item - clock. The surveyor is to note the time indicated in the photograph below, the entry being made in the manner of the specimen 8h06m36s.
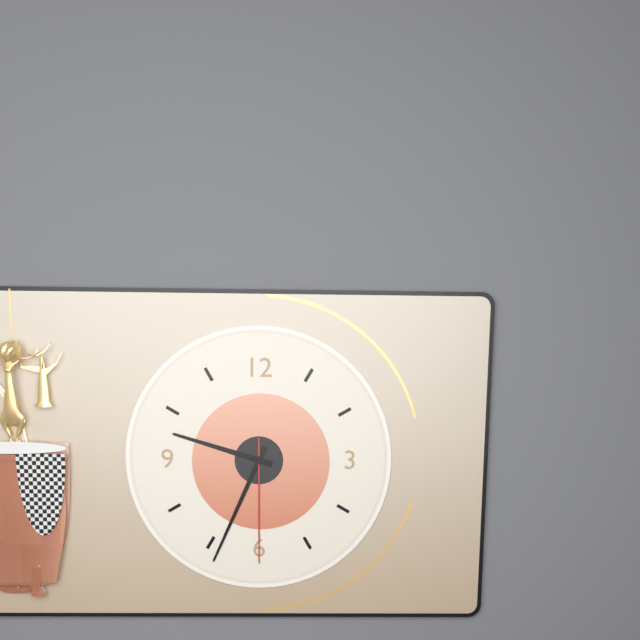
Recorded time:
9h34m30s
